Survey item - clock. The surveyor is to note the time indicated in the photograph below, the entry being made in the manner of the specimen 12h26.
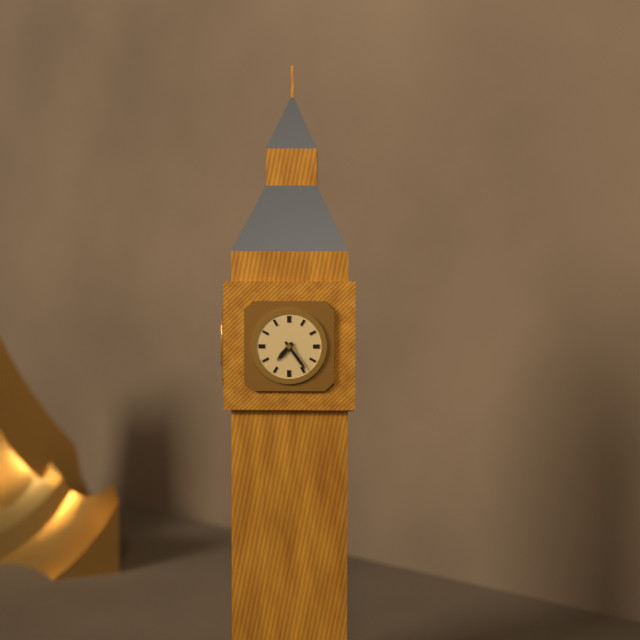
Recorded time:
7h24
